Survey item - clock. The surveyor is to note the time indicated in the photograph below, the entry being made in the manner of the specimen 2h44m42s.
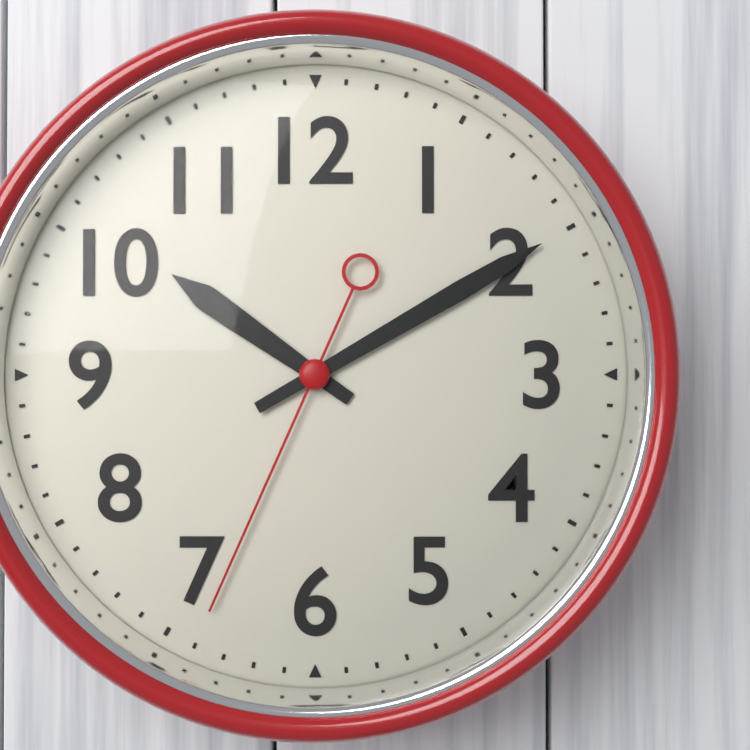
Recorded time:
10h10m34s
